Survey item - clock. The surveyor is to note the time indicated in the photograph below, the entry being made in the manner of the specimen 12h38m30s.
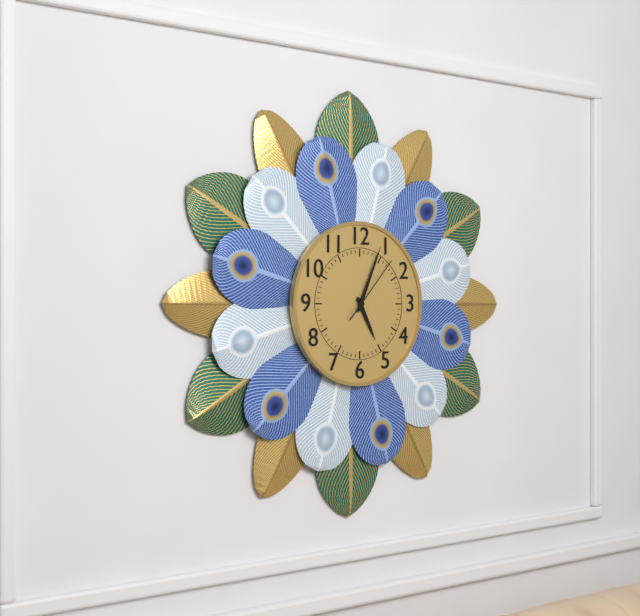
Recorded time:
5h04m07s
